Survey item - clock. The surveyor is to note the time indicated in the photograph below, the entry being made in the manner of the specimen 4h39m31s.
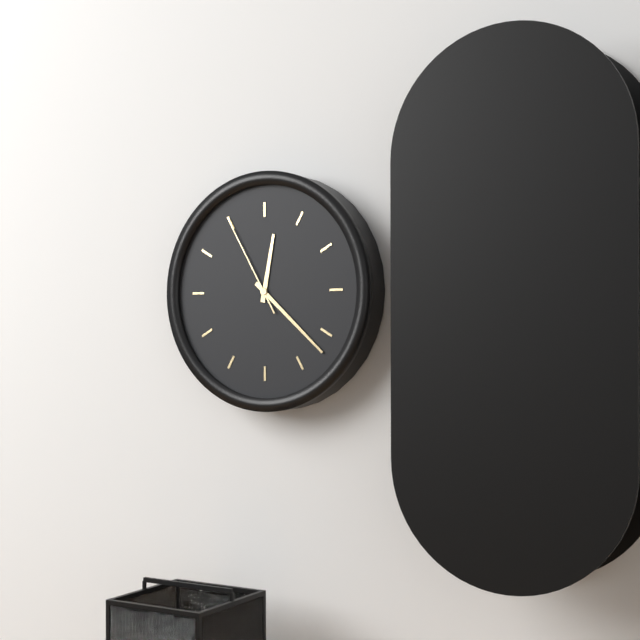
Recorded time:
12h22m55s
